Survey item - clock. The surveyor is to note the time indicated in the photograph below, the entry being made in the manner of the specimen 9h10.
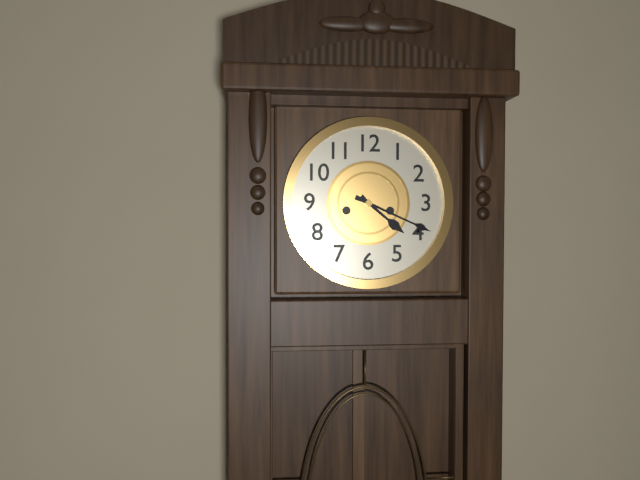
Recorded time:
4h19
